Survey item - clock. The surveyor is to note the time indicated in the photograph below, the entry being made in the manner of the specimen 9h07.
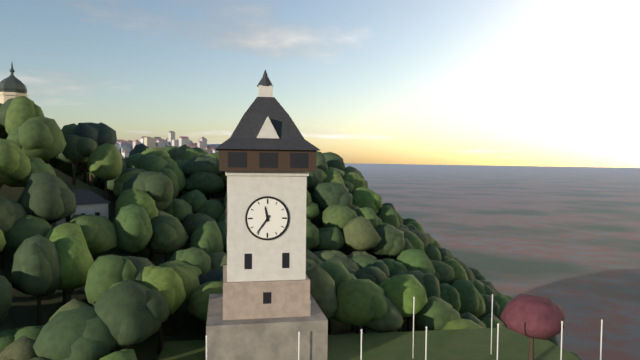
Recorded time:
11h36
